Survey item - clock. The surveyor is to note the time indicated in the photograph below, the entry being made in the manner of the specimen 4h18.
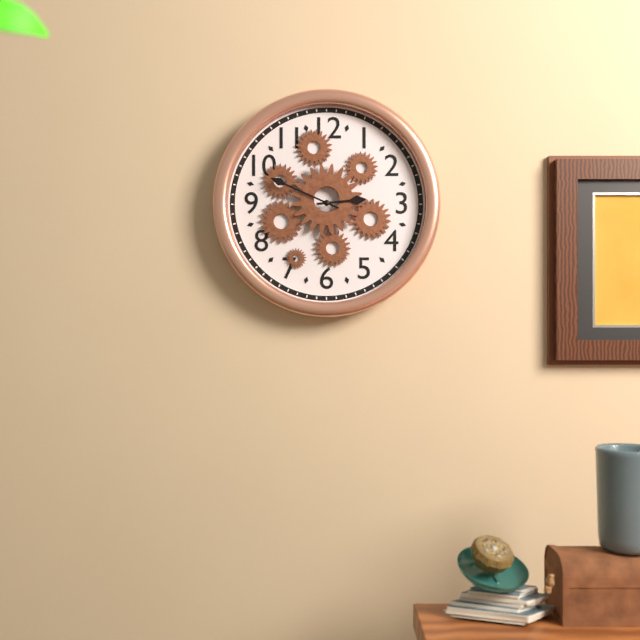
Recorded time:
2h49
